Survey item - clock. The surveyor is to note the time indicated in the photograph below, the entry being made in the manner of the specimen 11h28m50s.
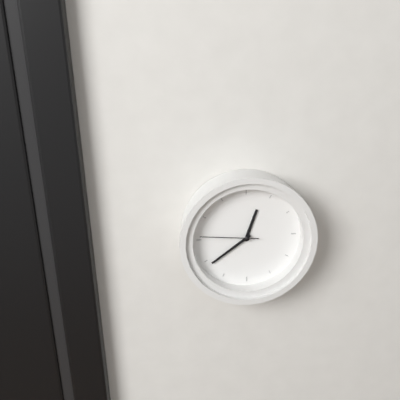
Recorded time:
12h39m46s
